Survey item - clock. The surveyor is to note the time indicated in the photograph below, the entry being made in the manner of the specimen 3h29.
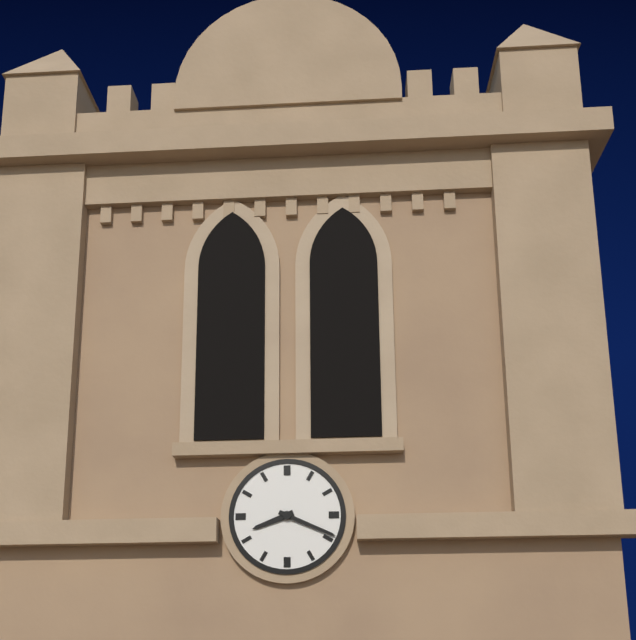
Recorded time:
8h19
